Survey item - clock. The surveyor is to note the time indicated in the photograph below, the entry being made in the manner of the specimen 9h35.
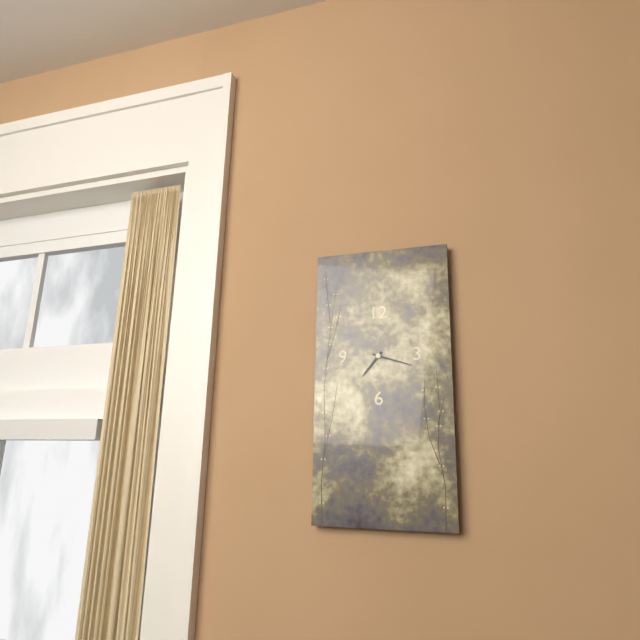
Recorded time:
7h18
